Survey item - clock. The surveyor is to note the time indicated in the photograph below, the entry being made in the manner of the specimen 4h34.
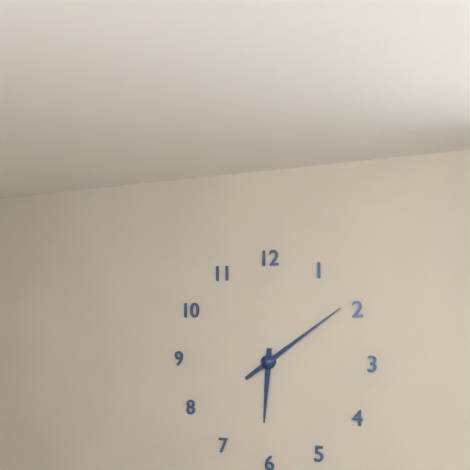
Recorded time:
6h09
